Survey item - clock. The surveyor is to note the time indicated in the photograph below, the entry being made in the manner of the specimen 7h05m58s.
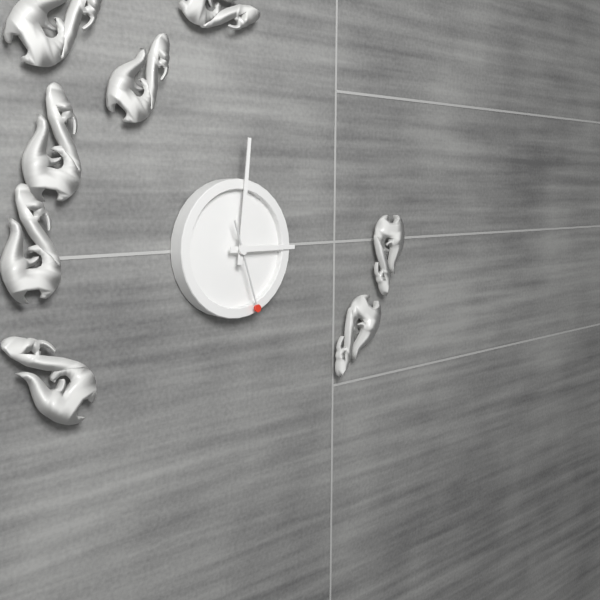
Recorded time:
3h01m27s
